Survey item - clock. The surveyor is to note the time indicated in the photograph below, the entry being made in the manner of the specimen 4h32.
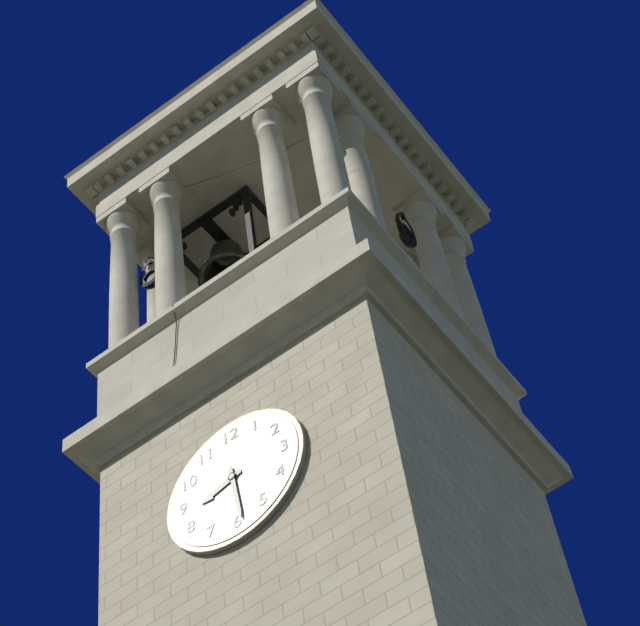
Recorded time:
8h29
